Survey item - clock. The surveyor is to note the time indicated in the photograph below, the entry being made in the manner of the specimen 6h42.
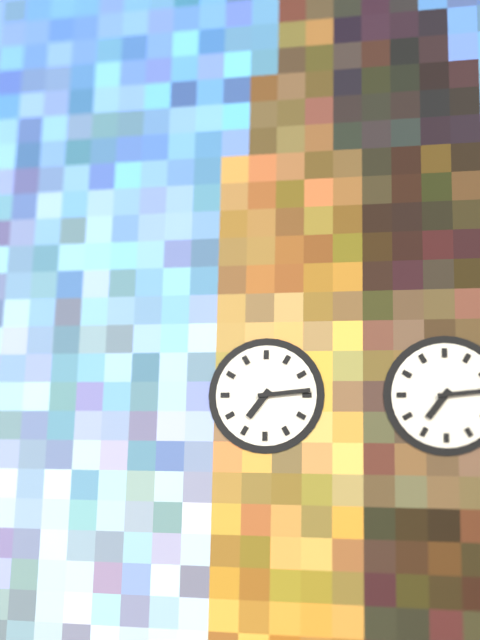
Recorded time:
7h14
